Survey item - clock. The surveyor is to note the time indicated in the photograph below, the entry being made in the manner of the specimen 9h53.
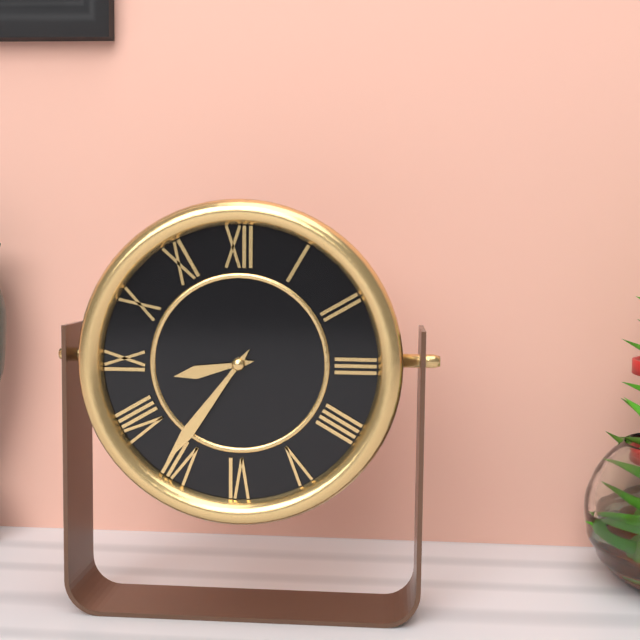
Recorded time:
8h36
